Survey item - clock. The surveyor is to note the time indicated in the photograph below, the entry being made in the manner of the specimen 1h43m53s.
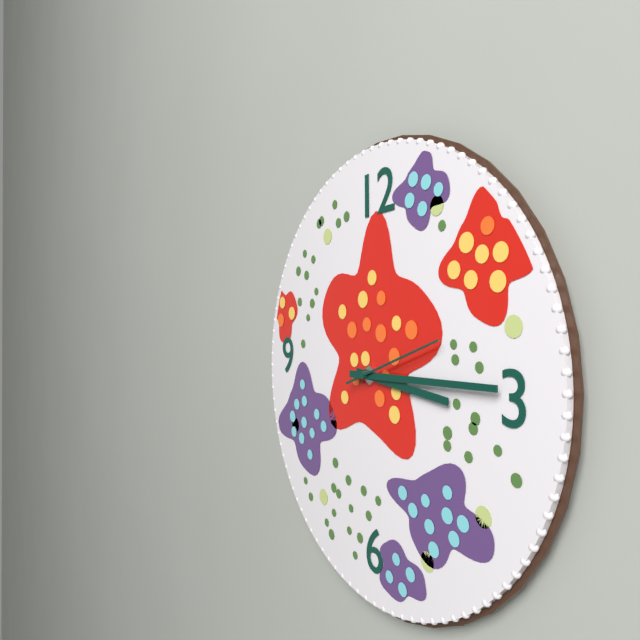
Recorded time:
3h15m12s
